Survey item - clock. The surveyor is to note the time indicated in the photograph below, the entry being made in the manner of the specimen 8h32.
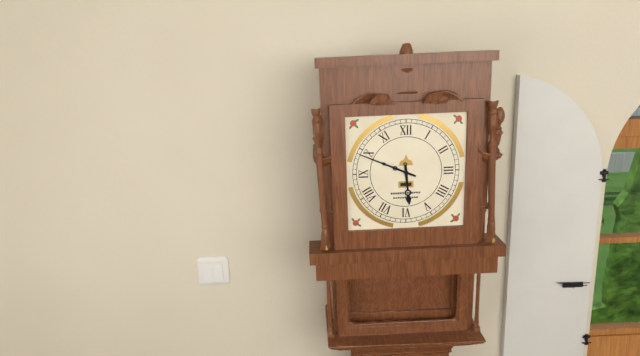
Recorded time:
5h49
